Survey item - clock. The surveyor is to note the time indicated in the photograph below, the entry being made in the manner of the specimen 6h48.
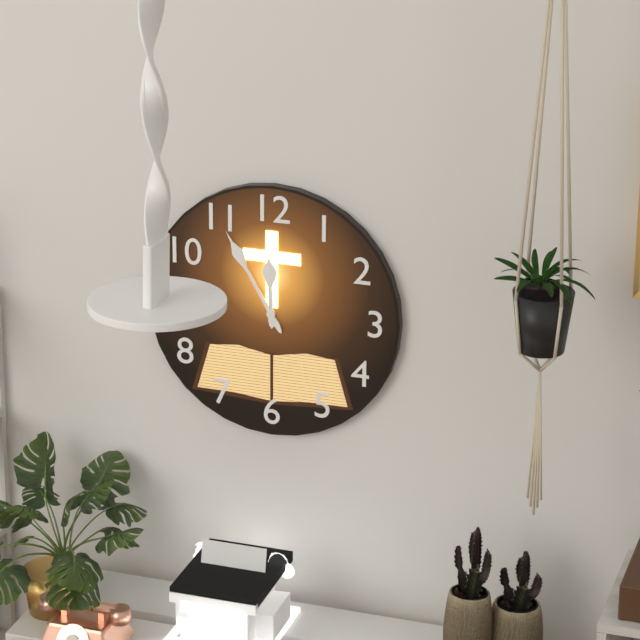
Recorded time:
11h55
